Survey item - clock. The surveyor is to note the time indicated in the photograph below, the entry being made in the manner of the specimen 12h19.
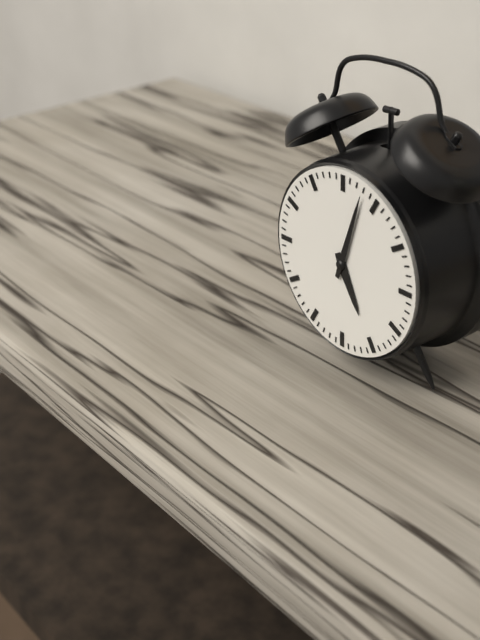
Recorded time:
5h03
